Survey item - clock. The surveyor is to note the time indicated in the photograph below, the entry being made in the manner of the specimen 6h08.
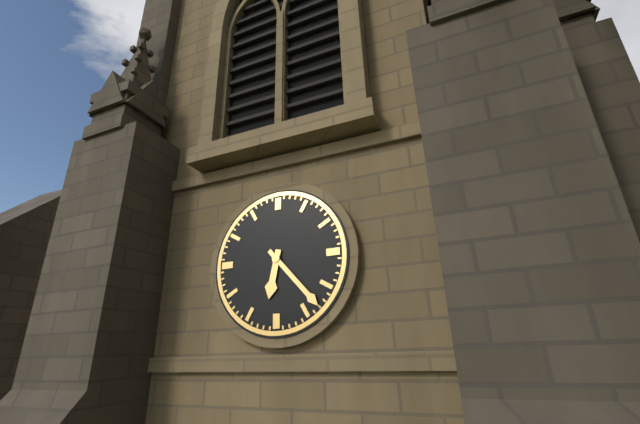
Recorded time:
6h23
